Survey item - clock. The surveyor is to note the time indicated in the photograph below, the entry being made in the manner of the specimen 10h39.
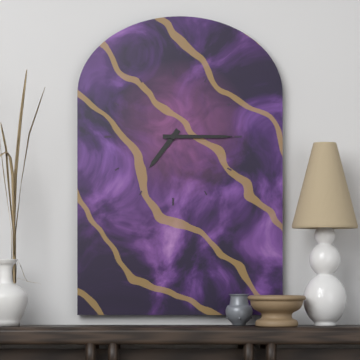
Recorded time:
7h15
